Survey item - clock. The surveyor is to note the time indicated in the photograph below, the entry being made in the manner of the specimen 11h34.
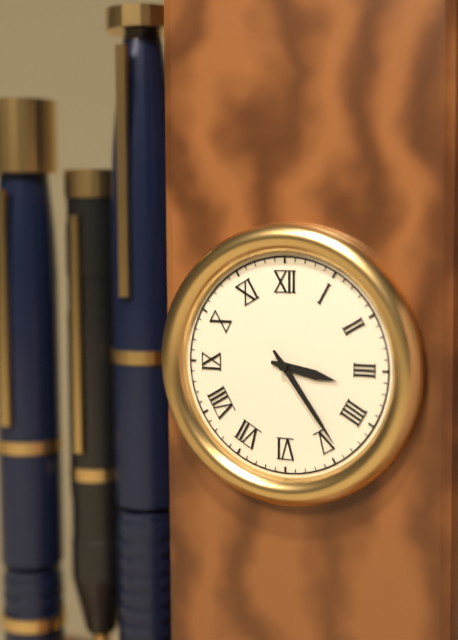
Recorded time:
3h24
